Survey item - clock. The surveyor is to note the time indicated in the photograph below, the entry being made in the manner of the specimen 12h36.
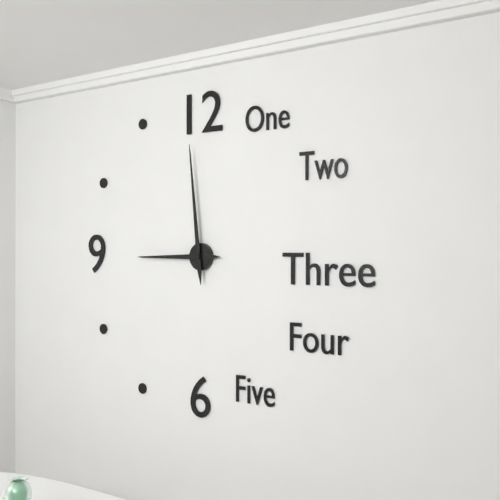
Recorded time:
8h59
